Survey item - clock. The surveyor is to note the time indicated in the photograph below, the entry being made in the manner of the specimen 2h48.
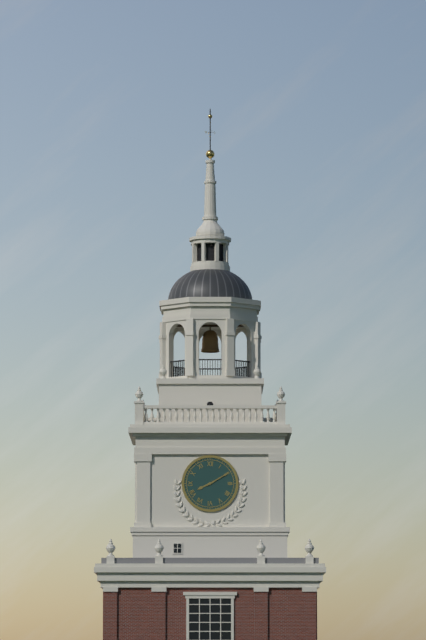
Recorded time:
8h10
